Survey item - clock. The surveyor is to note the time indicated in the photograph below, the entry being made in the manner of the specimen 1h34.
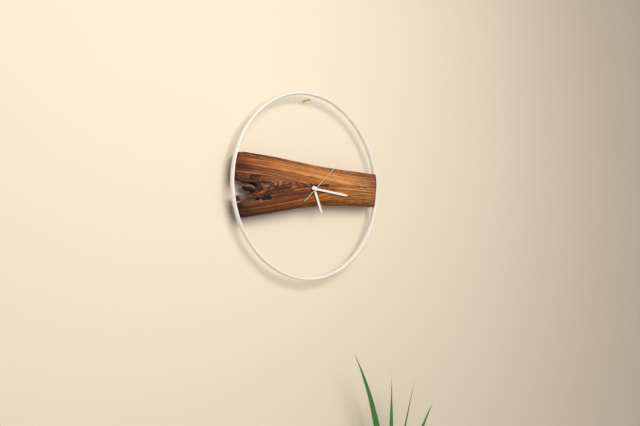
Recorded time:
5h16
